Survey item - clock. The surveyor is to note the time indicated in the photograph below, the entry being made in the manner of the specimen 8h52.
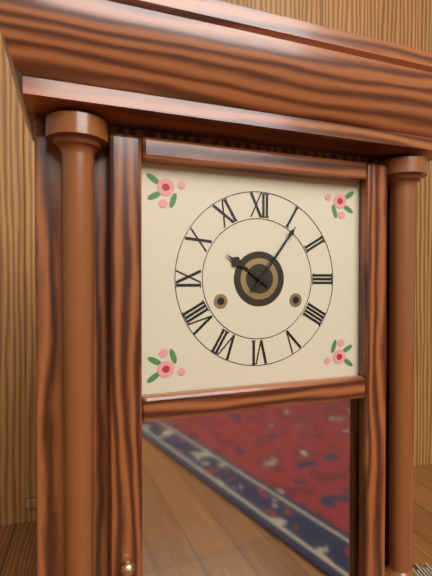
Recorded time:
10h06
